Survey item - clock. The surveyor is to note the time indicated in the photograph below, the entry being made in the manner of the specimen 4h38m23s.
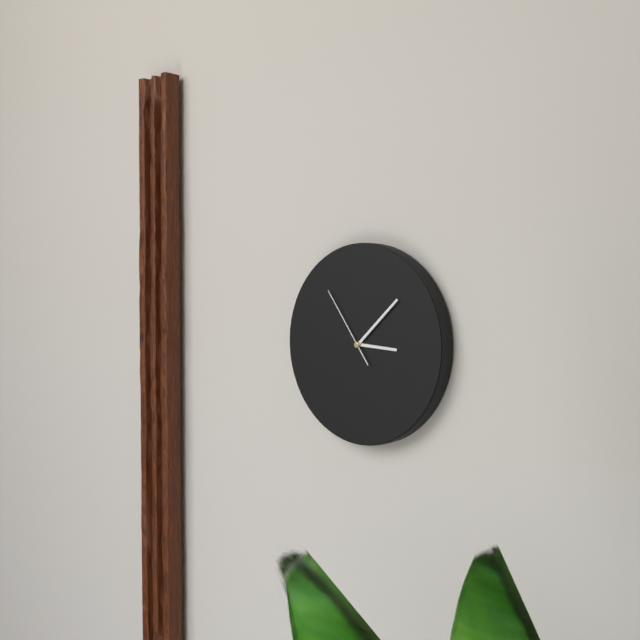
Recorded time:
3h08m54s
